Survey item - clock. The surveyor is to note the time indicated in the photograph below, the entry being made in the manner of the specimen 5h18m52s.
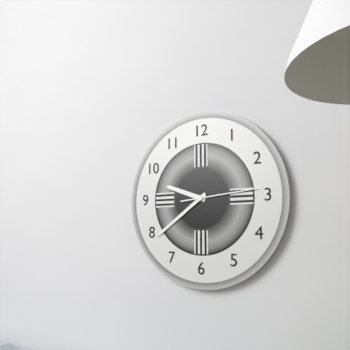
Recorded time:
9h39m14s
